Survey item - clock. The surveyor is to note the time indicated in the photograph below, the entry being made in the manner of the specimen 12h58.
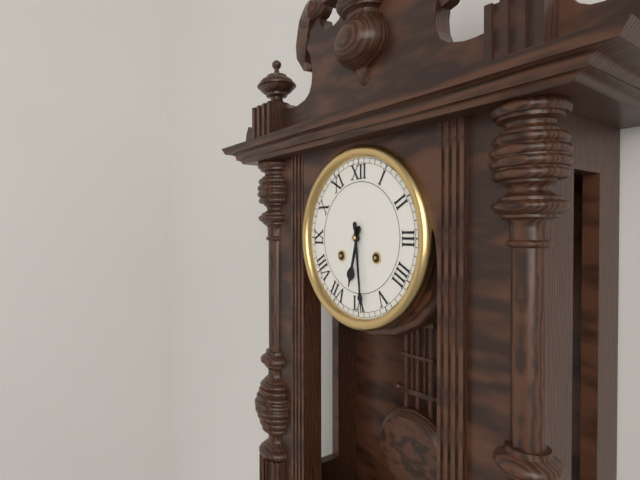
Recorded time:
6h29
